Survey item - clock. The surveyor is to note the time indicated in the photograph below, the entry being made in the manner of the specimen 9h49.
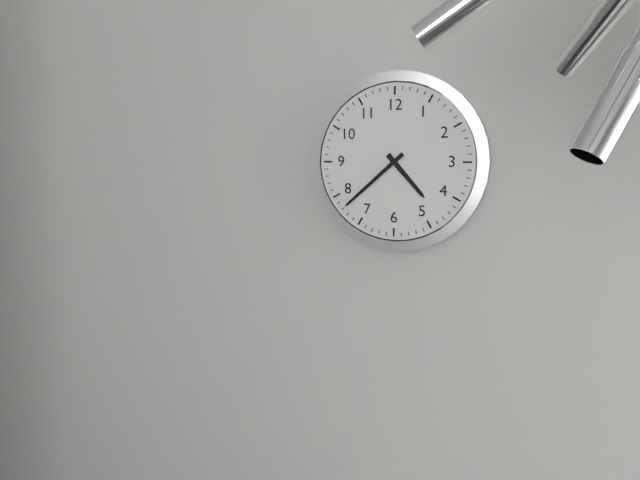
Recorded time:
4h38
